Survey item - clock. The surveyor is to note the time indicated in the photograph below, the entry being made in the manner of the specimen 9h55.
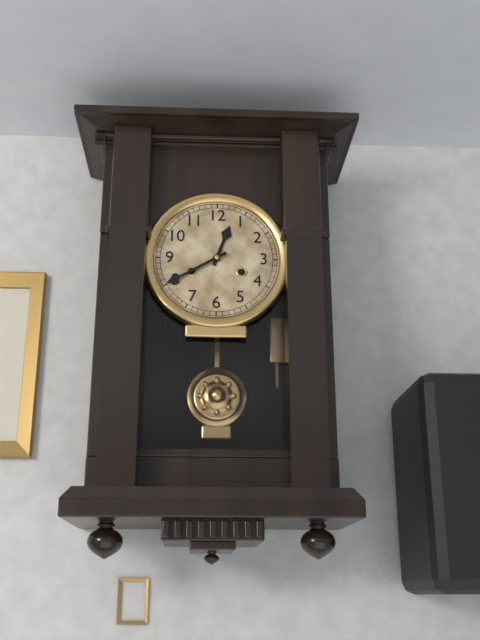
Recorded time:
12h40
